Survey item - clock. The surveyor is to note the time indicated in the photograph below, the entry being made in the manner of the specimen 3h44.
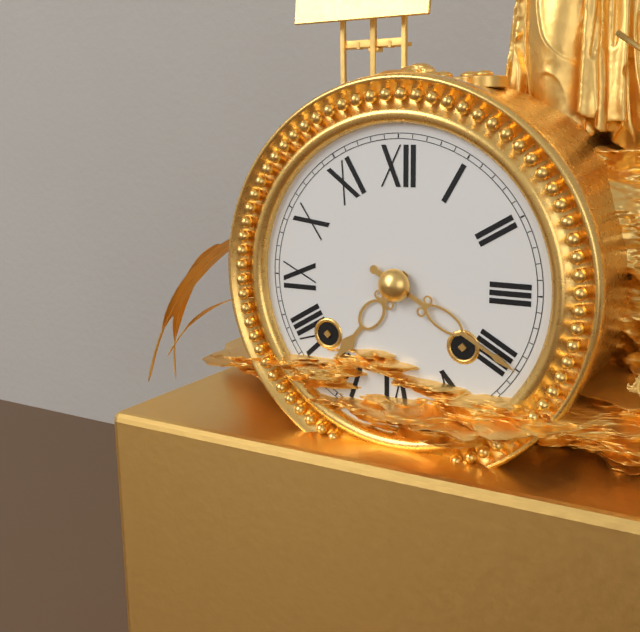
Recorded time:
7h20
